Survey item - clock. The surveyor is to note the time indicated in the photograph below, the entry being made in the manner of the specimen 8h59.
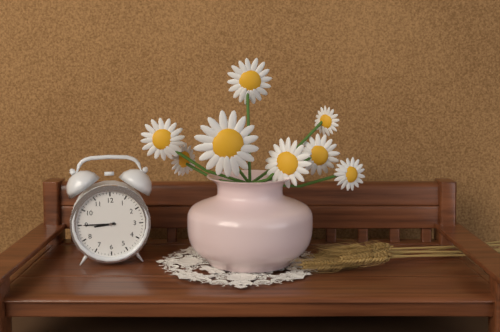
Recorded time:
8h45
